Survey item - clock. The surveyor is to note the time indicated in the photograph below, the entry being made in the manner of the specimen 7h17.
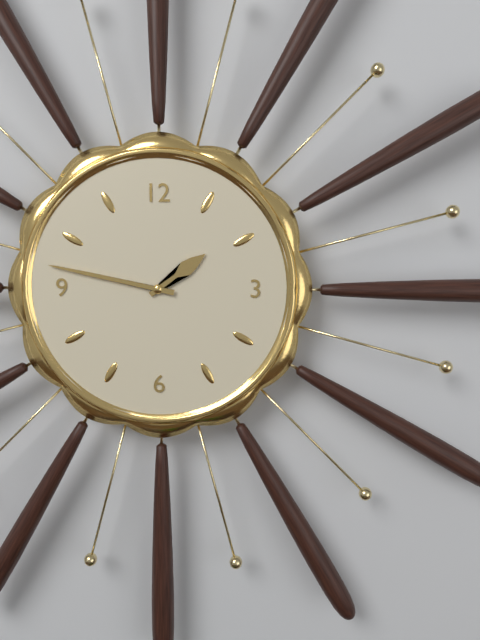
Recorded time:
1h47
